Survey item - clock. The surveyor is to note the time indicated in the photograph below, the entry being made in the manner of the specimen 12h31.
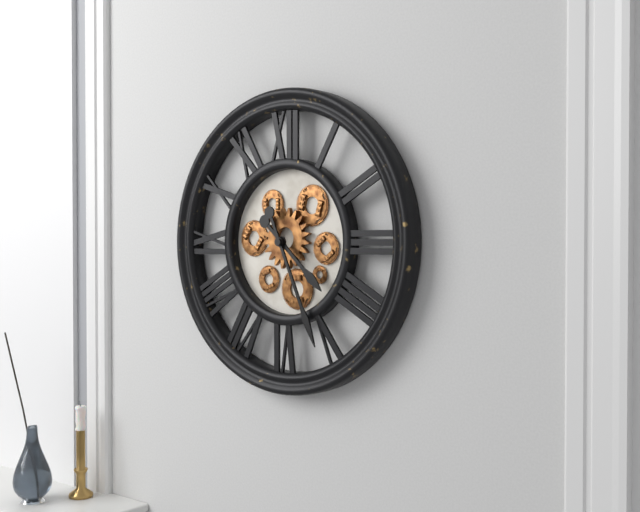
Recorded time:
4h26
